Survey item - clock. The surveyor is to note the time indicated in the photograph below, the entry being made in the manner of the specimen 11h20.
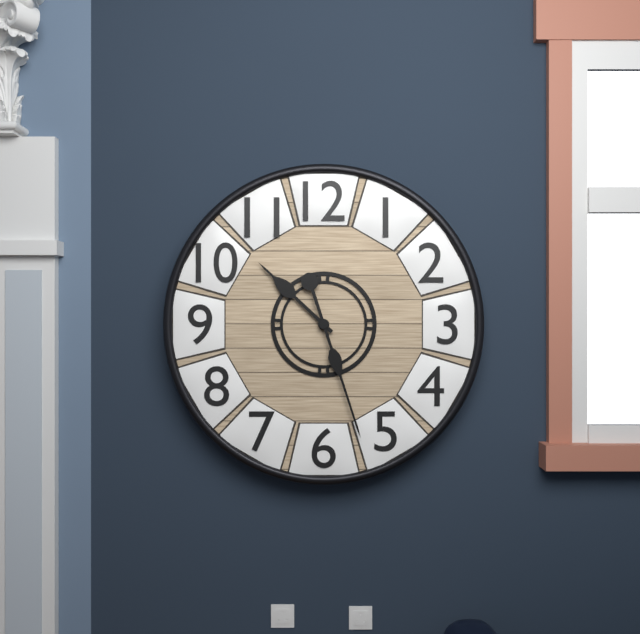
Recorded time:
10h27
